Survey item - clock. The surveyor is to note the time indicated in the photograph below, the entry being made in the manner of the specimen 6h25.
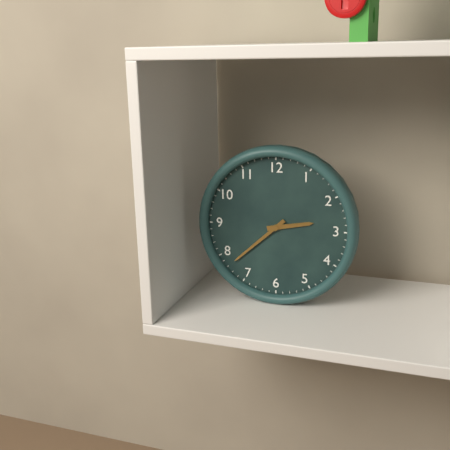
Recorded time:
2h38
